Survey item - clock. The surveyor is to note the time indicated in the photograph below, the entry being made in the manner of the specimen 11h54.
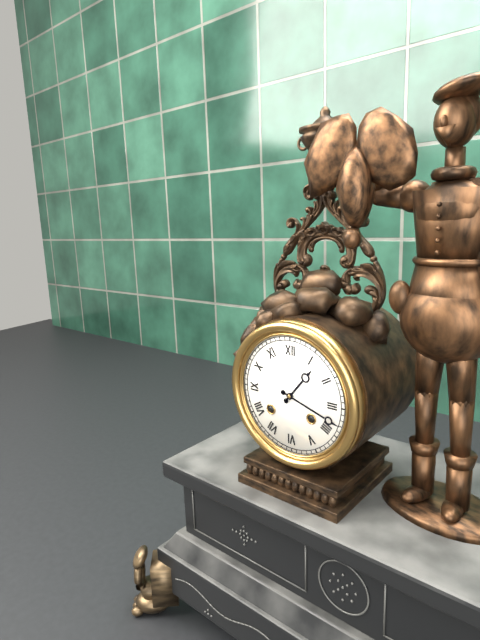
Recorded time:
1h18
